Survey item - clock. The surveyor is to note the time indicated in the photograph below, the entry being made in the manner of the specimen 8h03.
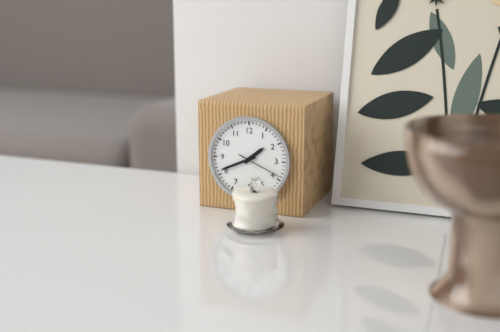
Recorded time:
1h41
